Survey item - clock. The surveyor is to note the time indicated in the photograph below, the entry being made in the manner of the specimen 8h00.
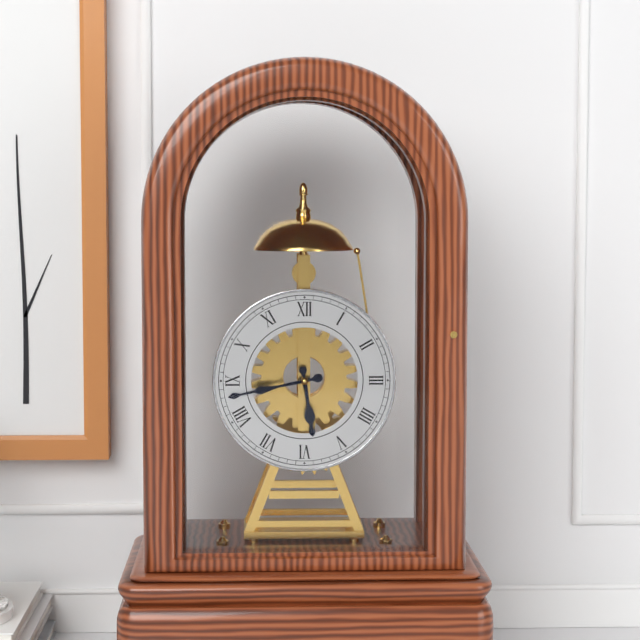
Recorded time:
5h43
